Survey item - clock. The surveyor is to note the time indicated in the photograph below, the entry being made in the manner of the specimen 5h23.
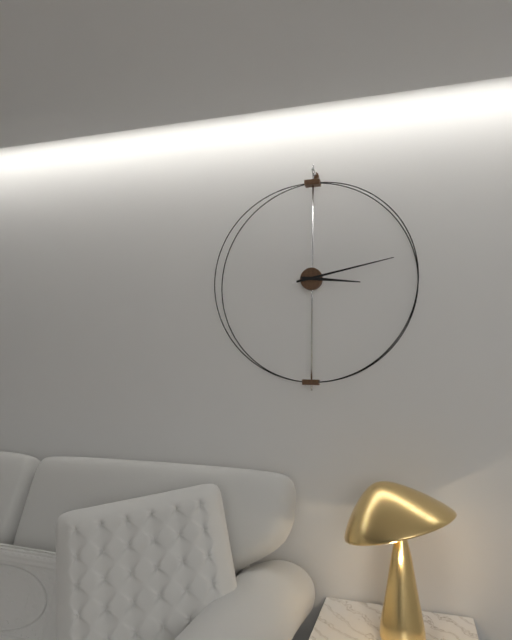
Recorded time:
3h13
